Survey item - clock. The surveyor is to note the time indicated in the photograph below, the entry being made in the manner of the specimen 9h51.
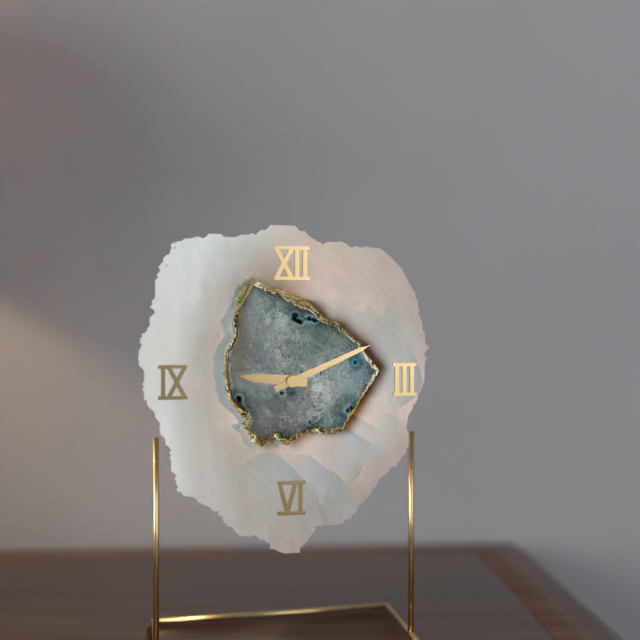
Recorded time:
9h11
